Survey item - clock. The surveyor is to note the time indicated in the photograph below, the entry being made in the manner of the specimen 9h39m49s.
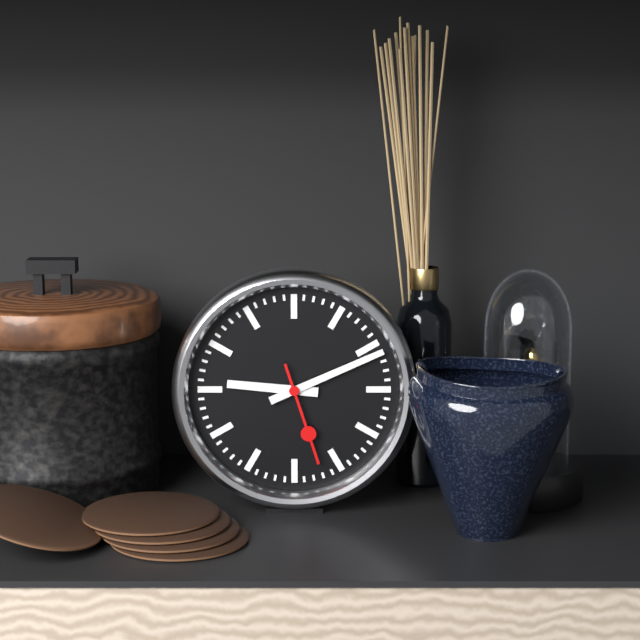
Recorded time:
9h11m27s
